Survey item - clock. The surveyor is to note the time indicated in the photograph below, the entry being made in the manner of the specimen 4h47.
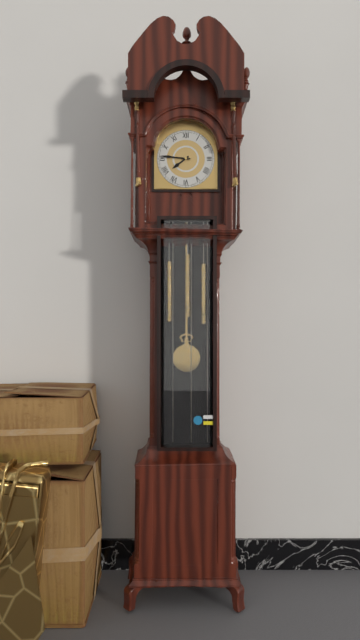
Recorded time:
7h46
